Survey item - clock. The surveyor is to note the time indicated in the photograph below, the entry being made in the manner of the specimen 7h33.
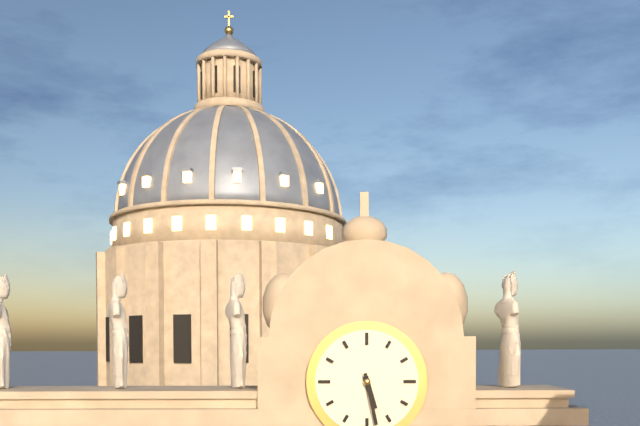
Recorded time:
5h28
